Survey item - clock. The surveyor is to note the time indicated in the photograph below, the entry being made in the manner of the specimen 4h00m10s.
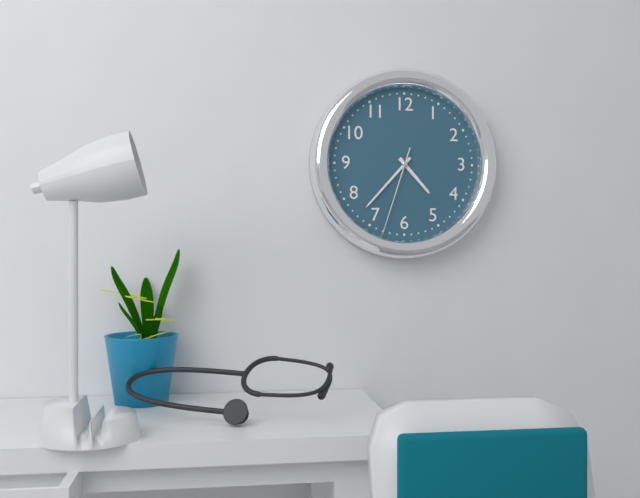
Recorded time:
4h37m33s
